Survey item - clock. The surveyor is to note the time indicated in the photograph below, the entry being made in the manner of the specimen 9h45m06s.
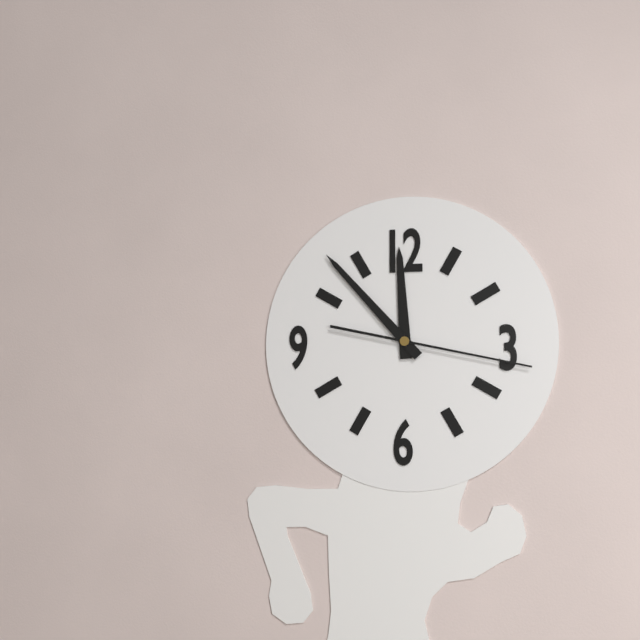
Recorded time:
11h53m17s
